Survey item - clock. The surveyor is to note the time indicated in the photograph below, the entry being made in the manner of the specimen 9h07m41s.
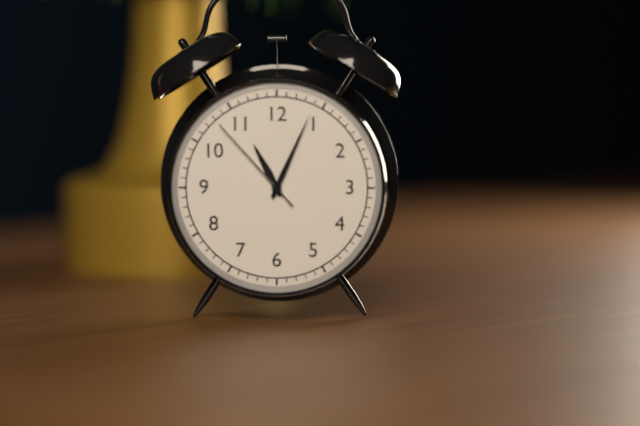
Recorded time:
11h04m53s
